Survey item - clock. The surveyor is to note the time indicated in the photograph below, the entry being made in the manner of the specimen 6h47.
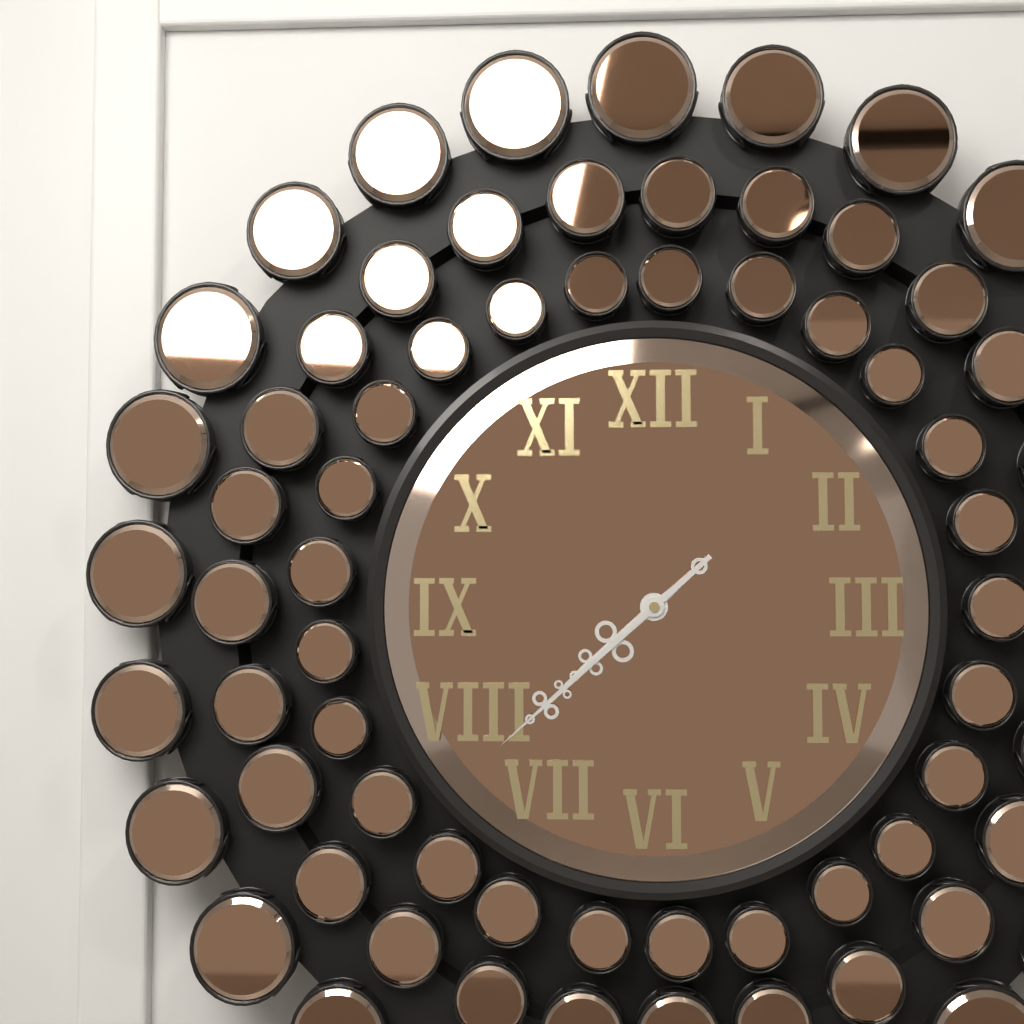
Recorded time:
7h38
